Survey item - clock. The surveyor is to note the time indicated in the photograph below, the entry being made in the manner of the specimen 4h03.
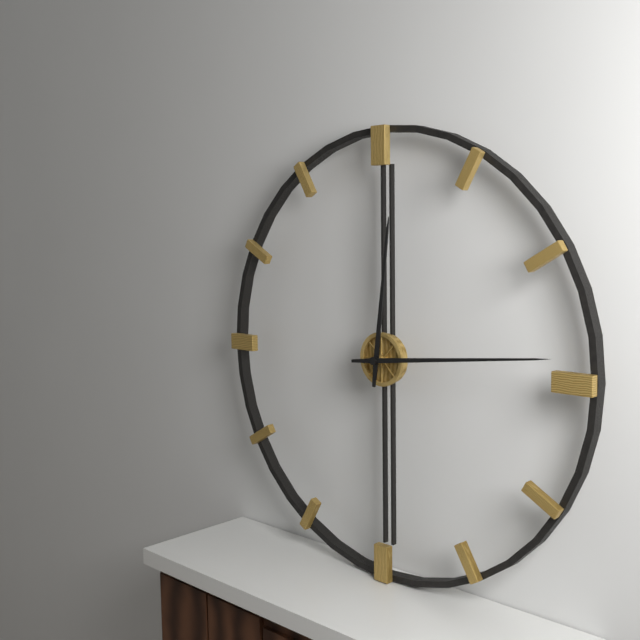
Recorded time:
12h14
